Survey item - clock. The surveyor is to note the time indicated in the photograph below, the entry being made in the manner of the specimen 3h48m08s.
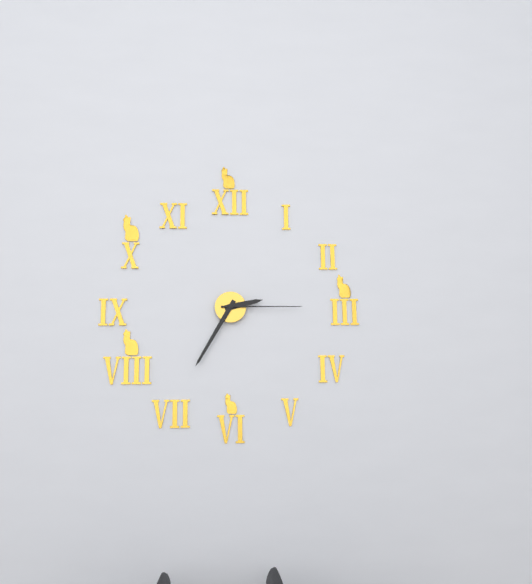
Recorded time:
2h35m15s
